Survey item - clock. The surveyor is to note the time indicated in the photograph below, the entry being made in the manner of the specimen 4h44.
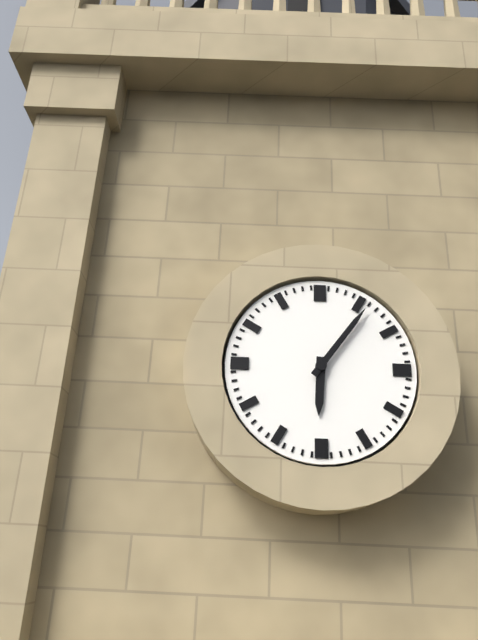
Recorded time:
6h06
